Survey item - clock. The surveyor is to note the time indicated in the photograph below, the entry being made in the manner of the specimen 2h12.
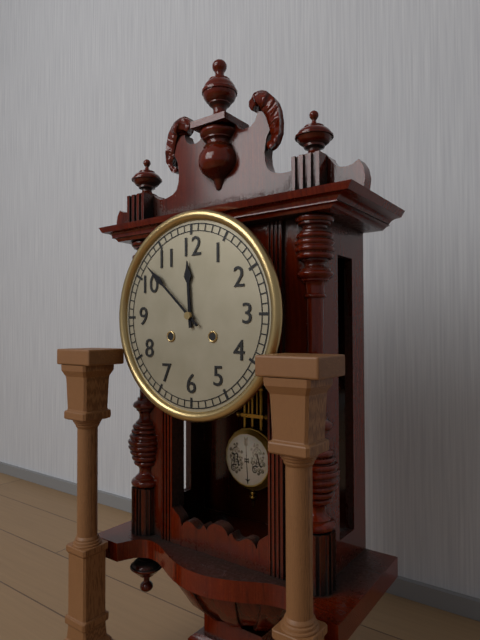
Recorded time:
11h52
